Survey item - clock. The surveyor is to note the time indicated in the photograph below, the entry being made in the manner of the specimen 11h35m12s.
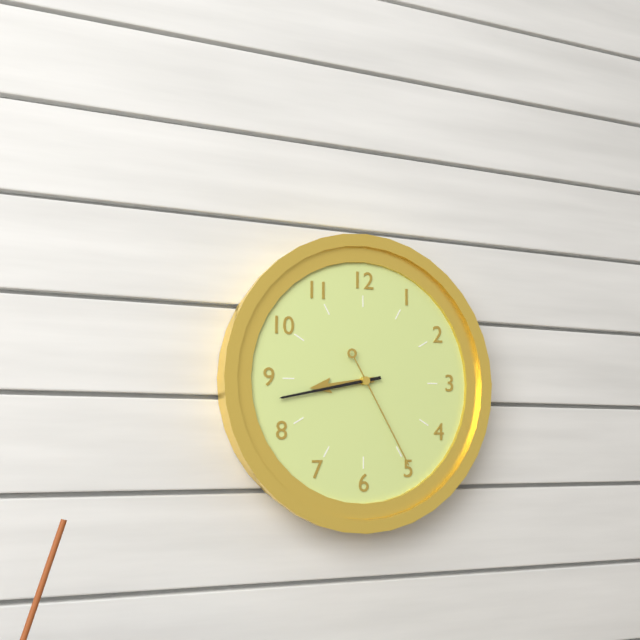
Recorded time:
8h43m25s
